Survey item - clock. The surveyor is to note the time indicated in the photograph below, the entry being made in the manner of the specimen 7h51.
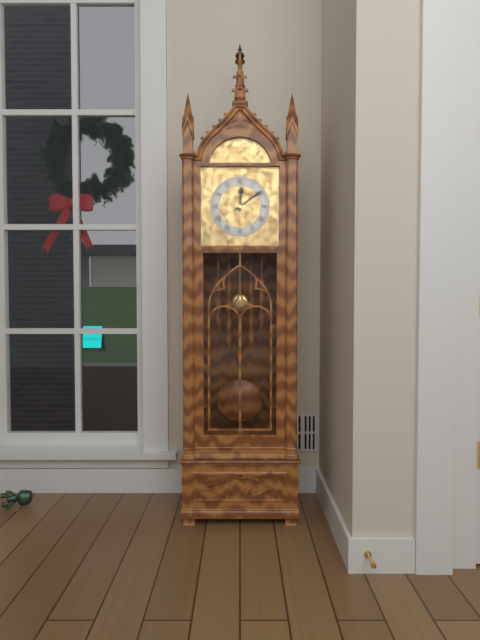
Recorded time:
12h09
